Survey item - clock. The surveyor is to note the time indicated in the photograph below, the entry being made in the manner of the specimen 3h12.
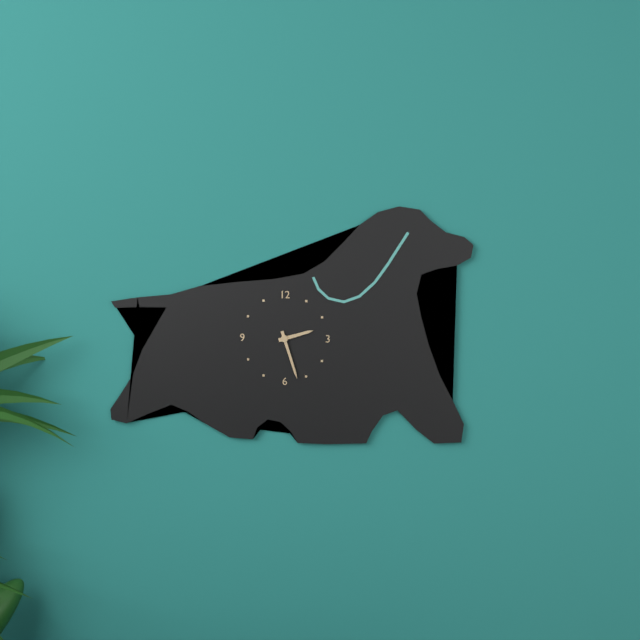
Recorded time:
2h27
